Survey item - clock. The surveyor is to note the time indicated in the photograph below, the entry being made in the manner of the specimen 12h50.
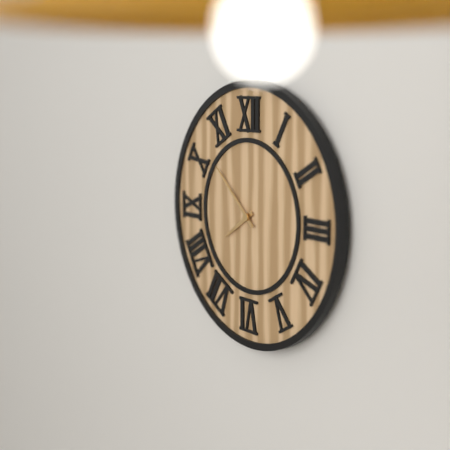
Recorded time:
7h52
